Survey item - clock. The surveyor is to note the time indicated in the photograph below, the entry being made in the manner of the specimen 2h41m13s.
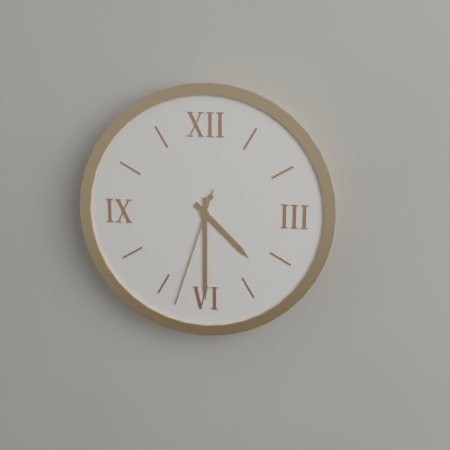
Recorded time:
4h30m33s
